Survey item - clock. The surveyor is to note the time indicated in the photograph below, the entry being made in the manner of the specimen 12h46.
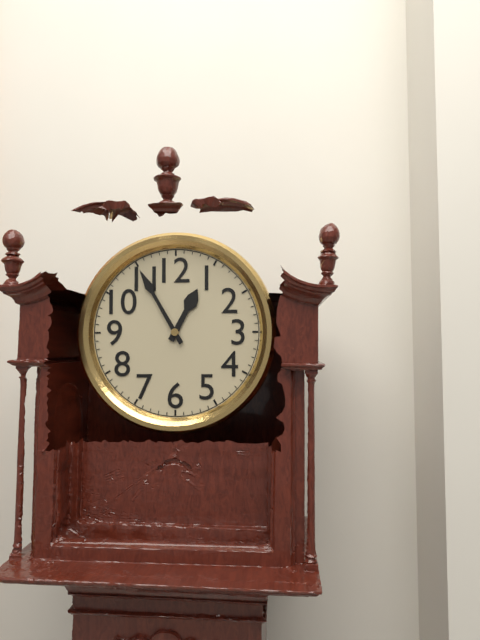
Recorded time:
12h55
